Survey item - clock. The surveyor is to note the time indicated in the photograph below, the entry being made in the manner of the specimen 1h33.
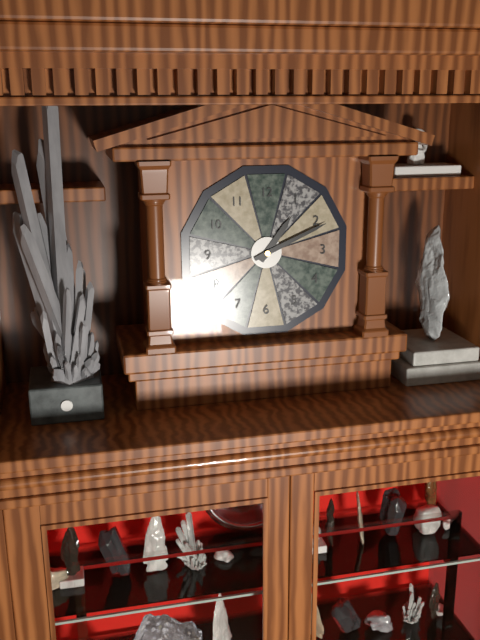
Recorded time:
1h11
